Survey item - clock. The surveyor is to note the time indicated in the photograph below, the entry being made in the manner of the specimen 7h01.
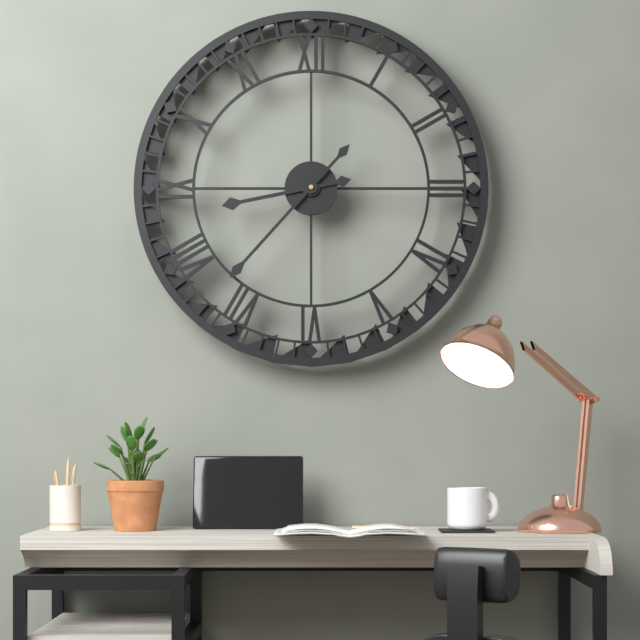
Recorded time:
8h37
